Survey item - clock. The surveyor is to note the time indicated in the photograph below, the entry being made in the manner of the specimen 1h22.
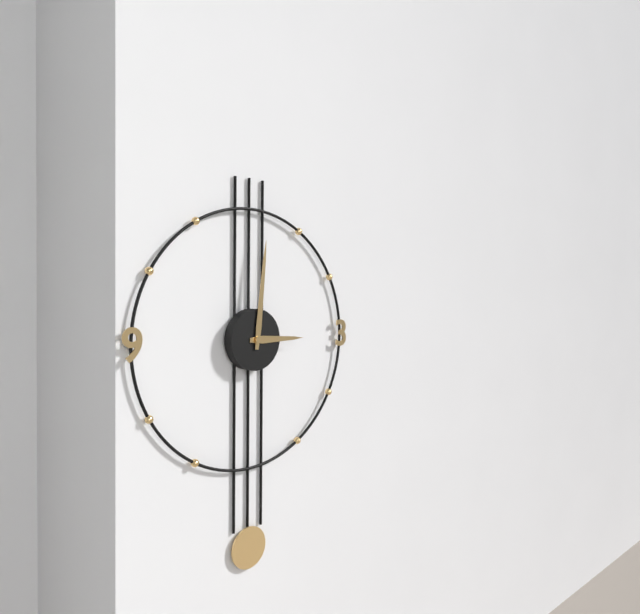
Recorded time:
3h01
